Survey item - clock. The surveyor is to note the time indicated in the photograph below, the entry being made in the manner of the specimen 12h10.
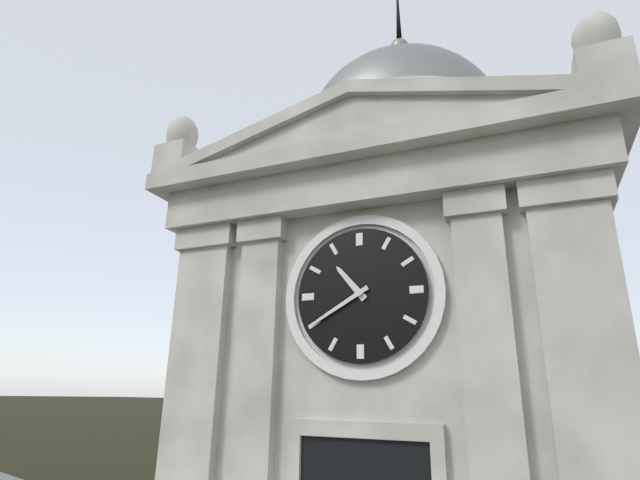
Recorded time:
10h40
